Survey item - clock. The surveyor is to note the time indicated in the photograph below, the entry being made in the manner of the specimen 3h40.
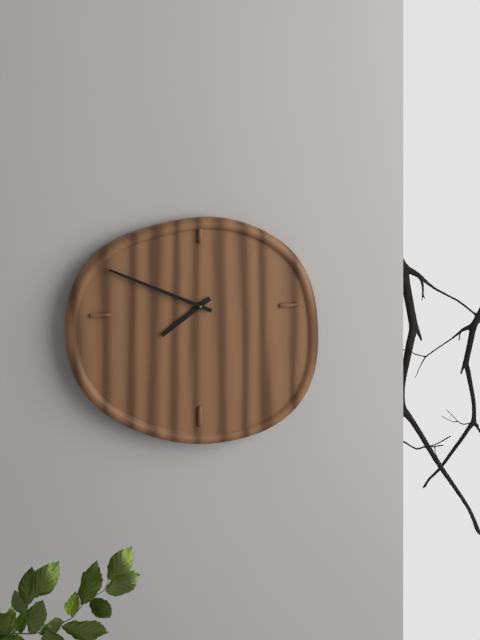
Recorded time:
7h49
